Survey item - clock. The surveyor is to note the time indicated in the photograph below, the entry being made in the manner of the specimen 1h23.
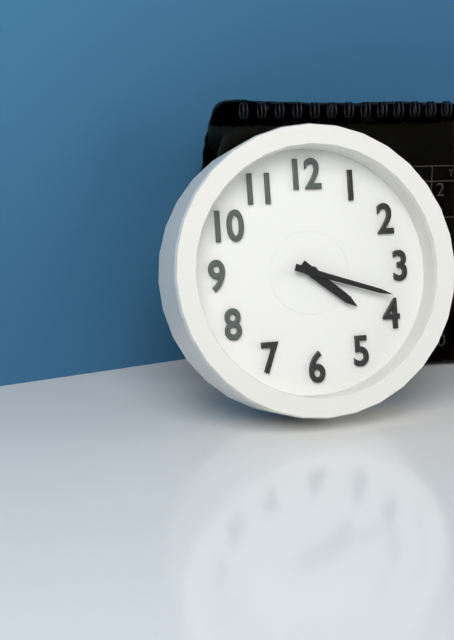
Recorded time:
4h18
